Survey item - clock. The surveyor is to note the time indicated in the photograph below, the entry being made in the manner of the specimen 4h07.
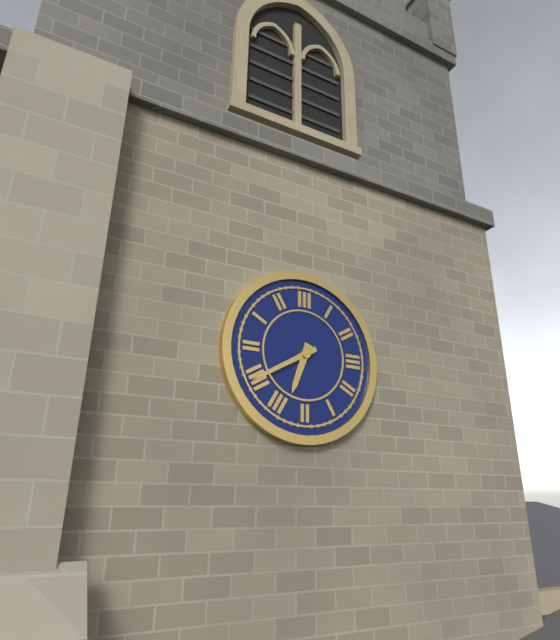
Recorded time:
6h40
